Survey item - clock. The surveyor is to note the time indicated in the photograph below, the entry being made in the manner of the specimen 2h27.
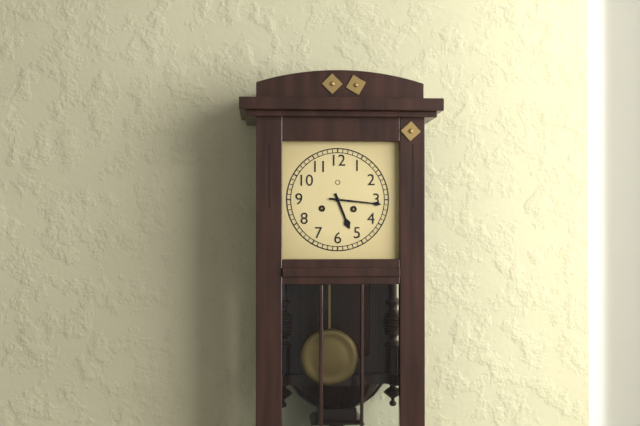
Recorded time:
5h16
